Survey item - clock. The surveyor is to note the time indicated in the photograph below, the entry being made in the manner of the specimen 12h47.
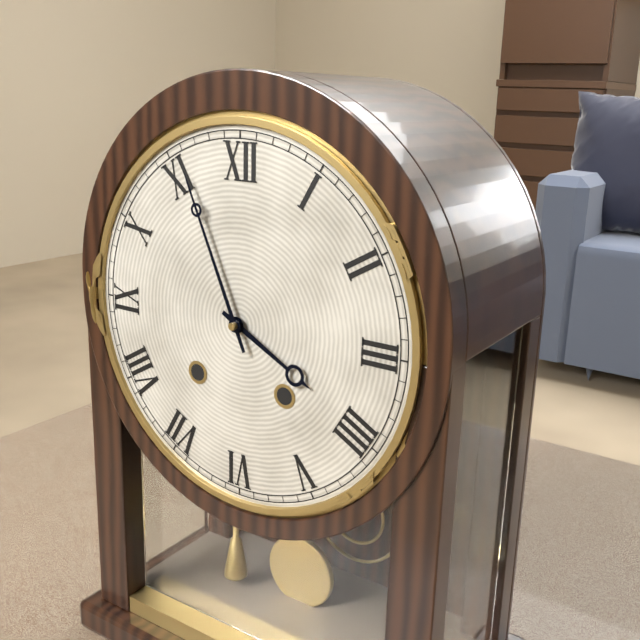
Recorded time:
3h56
